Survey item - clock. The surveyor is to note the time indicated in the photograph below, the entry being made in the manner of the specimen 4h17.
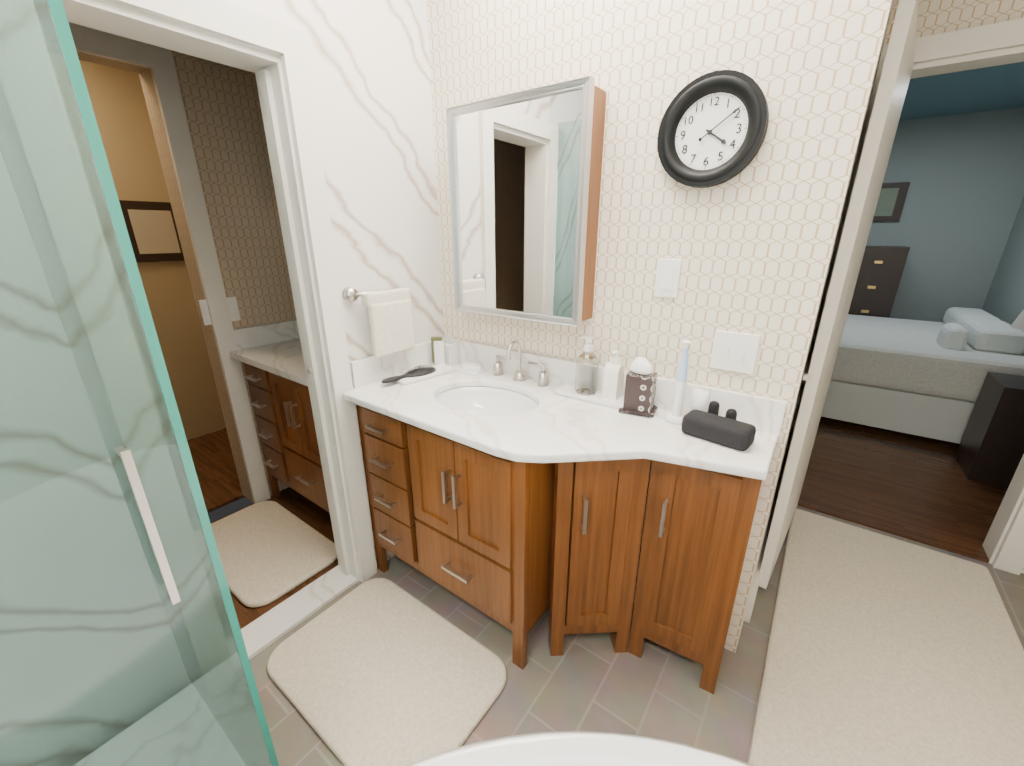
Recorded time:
4h09
